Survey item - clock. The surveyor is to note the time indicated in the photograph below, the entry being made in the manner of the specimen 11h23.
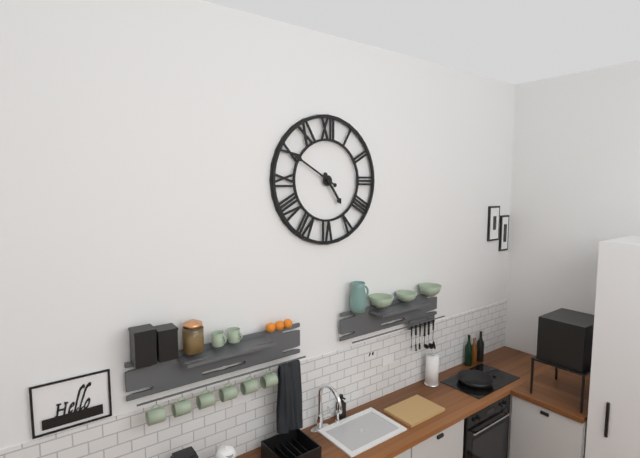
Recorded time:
4h50
